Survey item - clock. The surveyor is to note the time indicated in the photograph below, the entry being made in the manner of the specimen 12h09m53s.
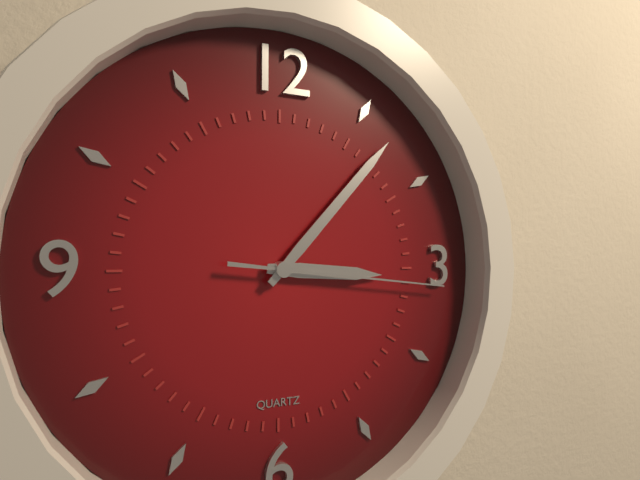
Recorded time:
3h07m16s
